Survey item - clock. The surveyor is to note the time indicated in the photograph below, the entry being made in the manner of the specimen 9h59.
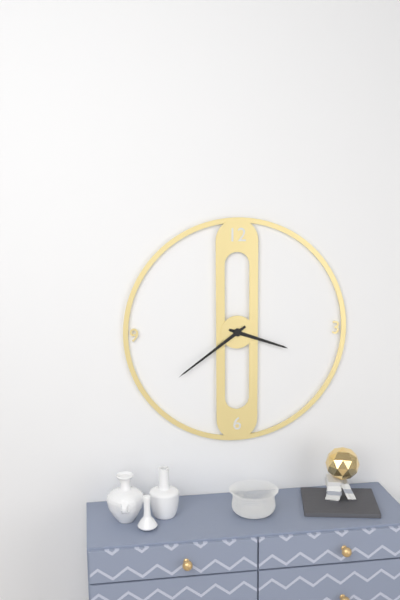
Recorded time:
3h39
